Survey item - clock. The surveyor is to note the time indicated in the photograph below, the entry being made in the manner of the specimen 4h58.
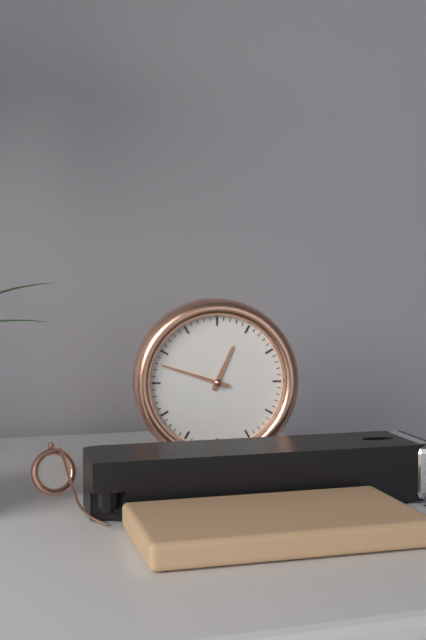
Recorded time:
12h48
